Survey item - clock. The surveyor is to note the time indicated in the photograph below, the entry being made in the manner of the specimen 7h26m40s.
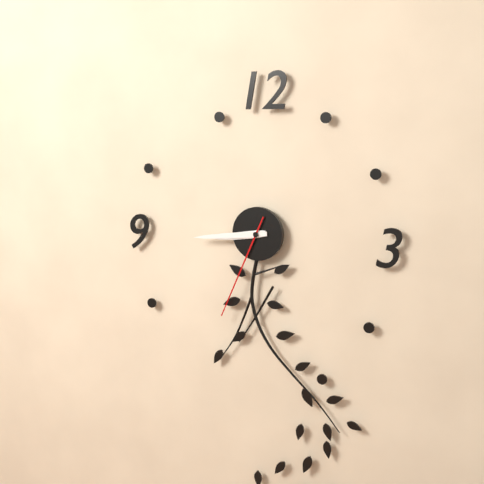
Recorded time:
8h44m34s
